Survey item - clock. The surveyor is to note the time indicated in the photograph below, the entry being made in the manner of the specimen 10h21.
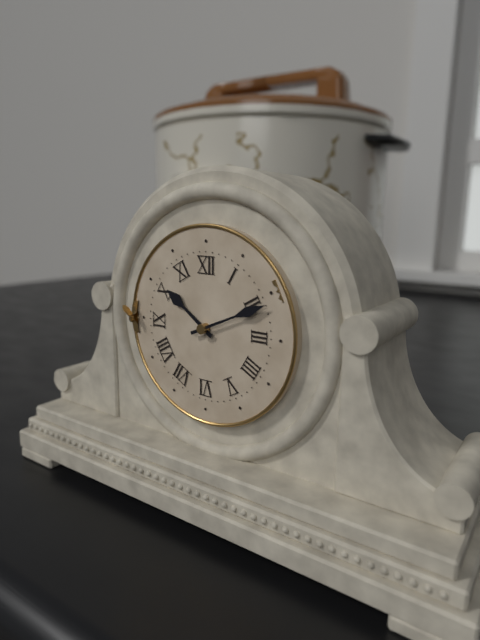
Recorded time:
10h11
